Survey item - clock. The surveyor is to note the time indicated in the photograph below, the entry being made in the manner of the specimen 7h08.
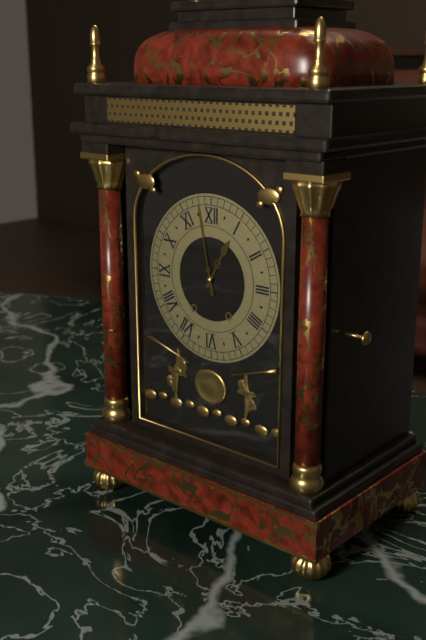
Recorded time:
12h58
